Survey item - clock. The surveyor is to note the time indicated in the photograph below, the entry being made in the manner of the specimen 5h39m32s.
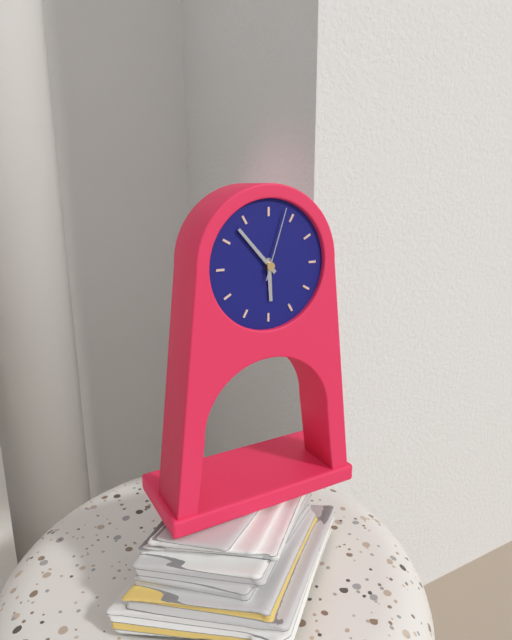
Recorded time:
5h53m03s
